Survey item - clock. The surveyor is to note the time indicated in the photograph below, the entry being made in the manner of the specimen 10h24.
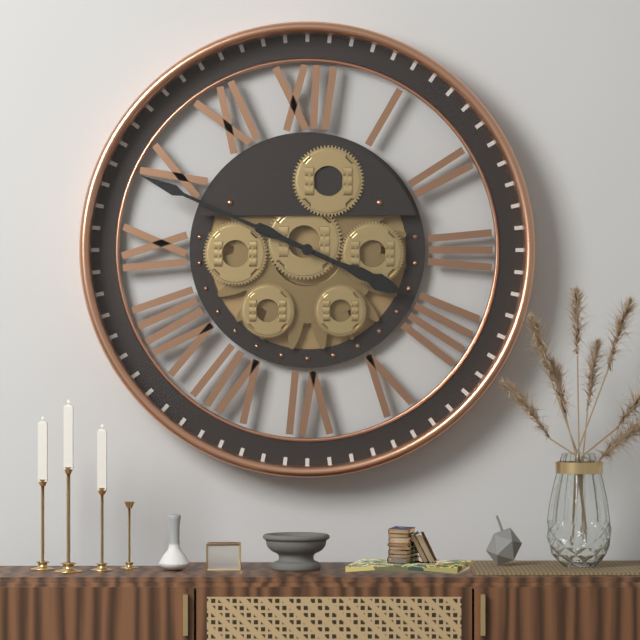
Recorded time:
3h49
